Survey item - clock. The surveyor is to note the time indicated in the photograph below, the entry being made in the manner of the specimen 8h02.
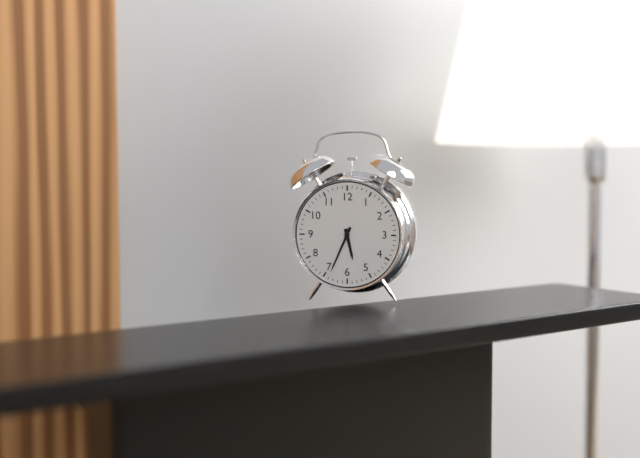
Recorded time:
5h34
